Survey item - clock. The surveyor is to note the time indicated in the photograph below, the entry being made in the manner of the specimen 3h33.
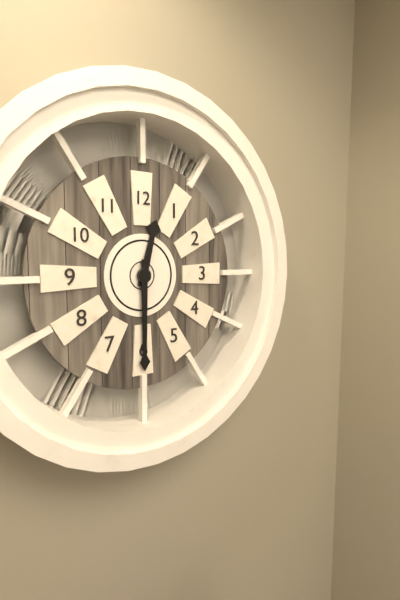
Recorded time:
12h30
